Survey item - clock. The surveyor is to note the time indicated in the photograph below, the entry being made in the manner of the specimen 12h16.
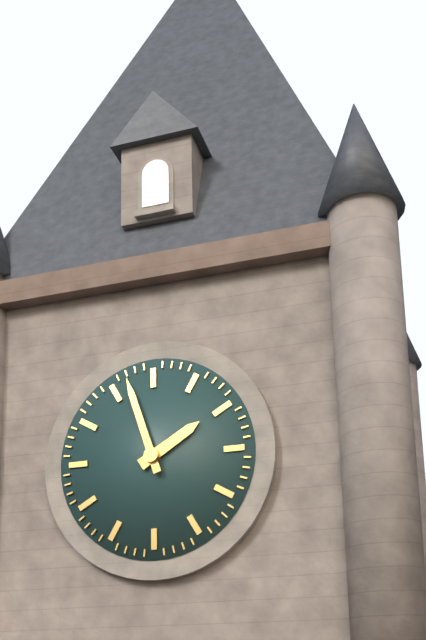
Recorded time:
1h57
